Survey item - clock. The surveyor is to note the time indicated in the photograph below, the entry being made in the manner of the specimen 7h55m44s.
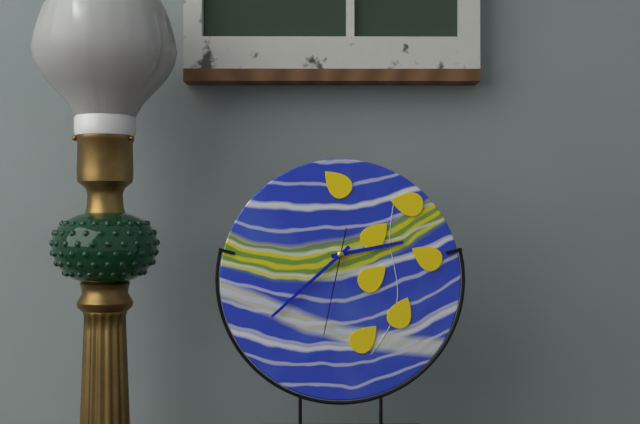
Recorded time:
2h38m32s
